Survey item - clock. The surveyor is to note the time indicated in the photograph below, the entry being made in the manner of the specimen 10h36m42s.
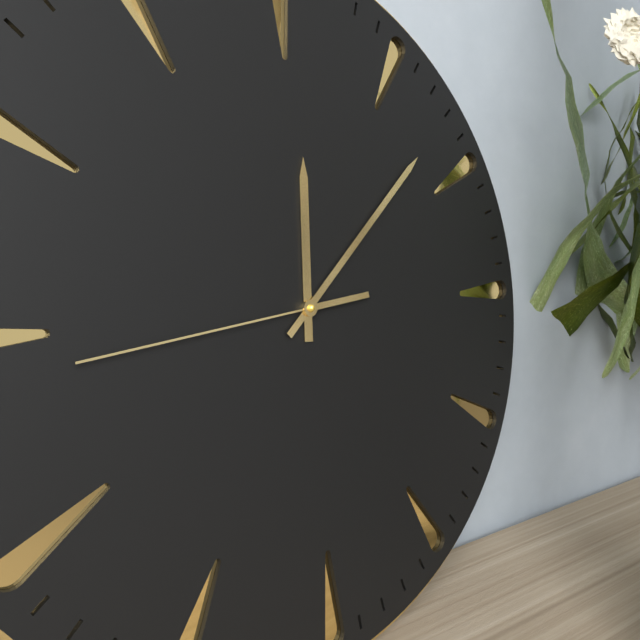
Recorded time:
12h08m44s
